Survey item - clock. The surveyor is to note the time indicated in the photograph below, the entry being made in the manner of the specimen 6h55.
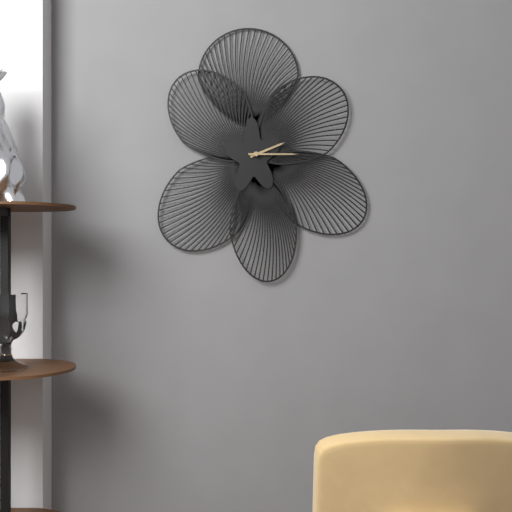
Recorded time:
2h15
